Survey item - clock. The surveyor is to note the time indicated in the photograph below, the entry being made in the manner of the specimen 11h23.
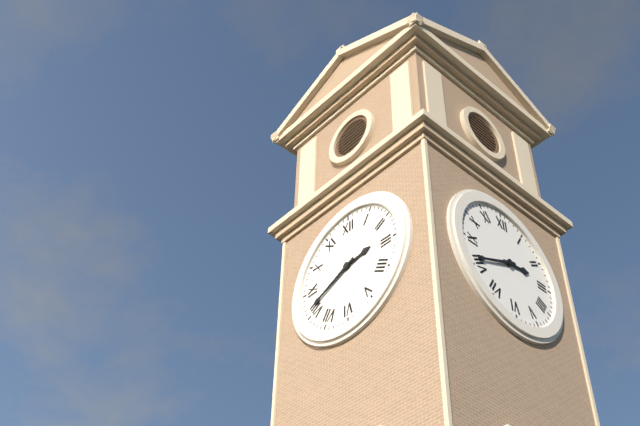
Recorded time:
2h41
